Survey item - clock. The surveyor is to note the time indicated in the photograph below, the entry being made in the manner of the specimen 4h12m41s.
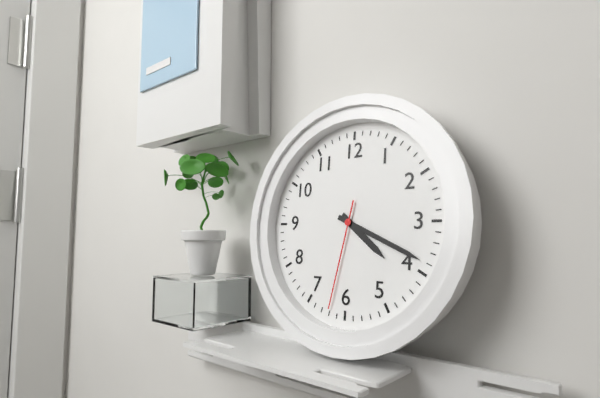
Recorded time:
4h19m32s
